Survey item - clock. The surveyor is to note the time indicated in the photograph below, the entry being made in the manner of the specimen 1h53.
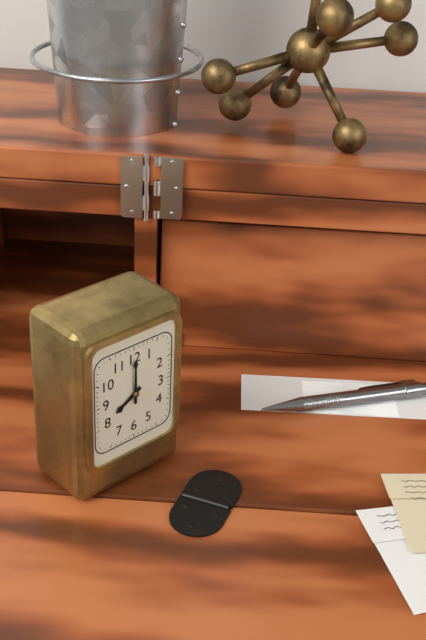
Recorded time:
8h00
